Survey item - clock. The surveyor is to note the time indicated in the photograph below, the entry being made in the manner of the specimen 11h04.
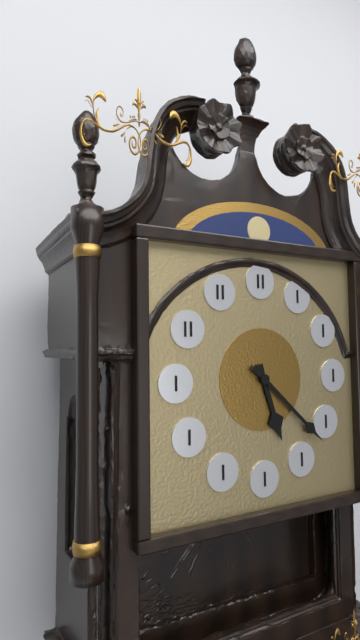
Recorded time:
5h22
